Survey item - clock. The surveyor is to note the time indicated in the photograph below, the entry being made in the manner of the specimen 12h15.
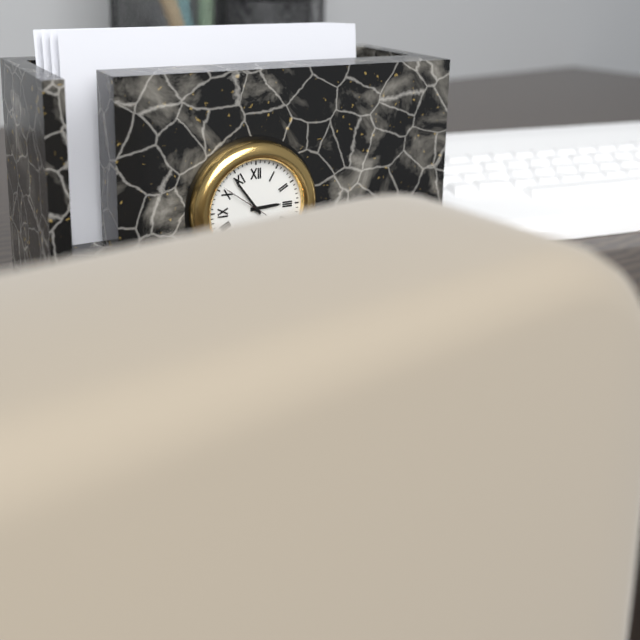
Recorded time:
2h54
